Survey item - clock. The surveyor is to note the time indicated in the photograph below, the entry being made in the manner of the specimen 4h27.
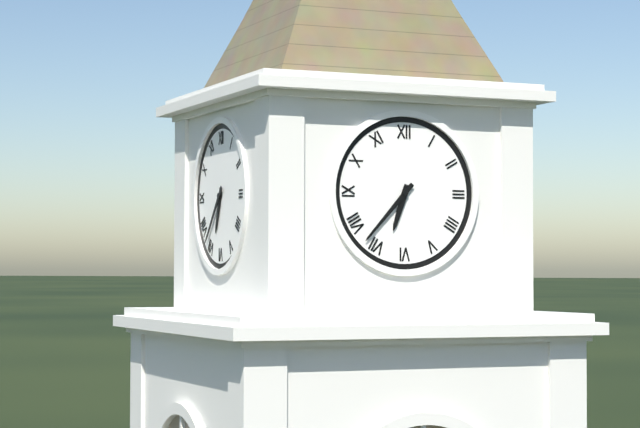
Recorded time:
6h37
